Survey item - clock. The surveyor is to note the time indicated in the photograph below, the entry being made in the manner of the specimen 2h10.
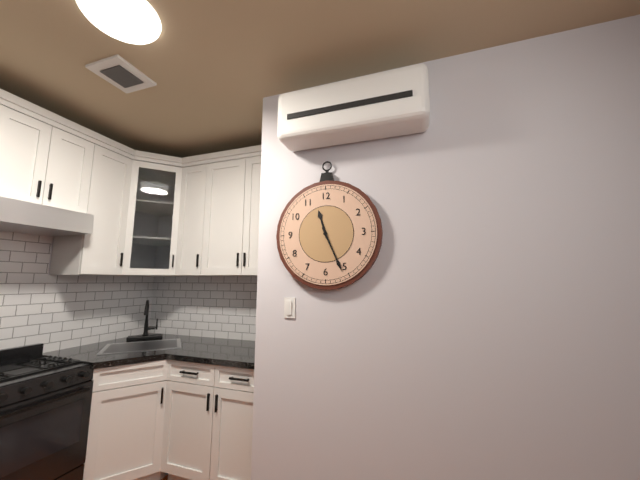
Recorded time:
11h26
